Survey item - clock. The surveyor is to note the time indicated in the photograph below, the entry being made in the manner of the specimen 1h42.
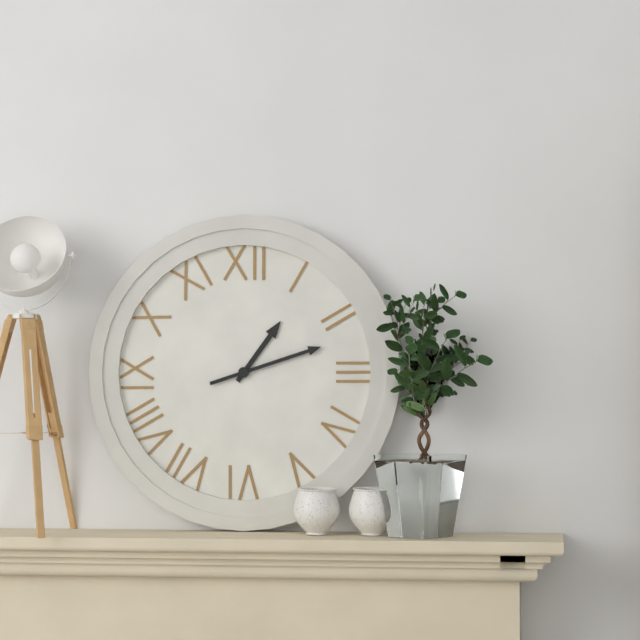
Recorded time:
1h12
